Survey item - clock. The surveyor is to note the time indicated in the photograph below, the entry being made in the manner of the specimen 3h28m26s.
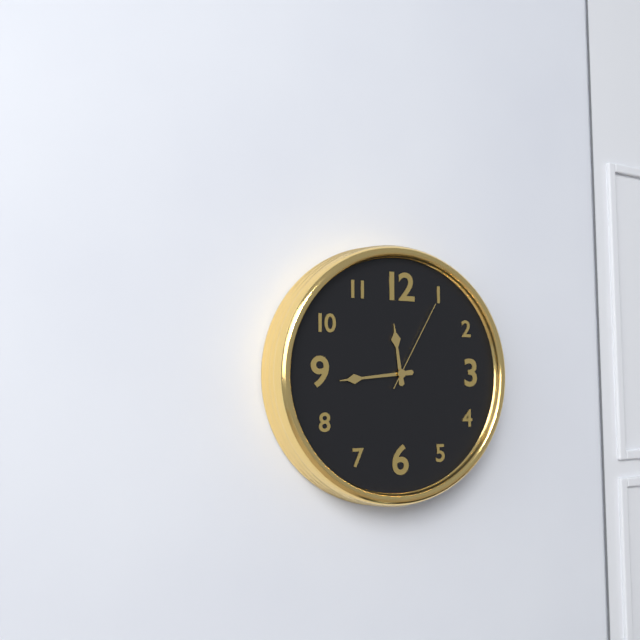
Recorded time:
11h44m05s
